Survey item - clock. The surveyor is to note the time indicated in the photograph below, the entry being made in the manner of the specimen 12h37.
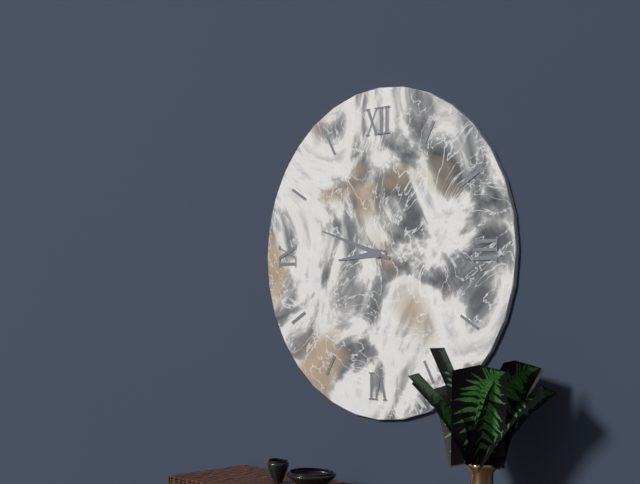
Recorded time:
8h48
